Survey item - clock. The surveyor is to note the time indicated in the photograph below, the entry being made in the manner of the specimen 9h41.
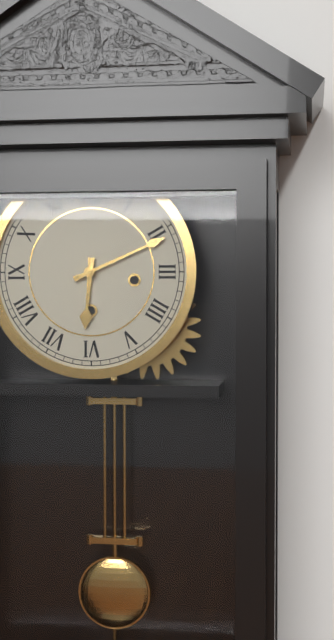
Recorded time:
6h11
